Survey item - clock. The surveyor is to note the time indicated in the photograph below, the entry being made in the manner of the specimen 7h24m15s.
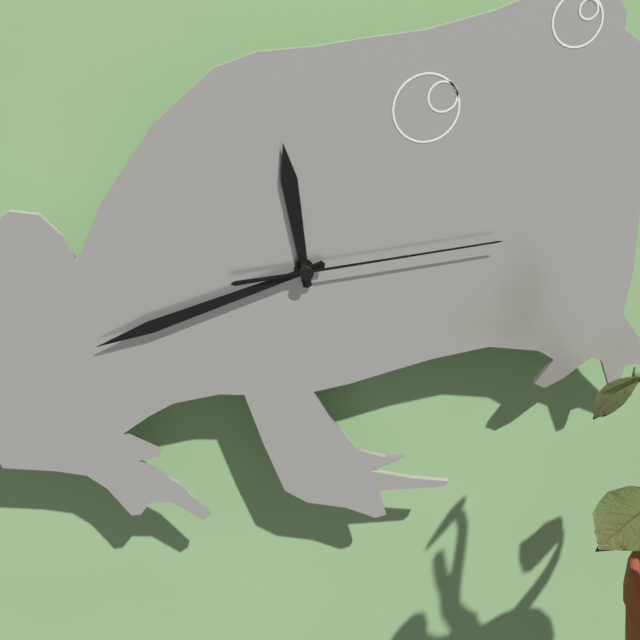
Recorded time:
11h42m14s
